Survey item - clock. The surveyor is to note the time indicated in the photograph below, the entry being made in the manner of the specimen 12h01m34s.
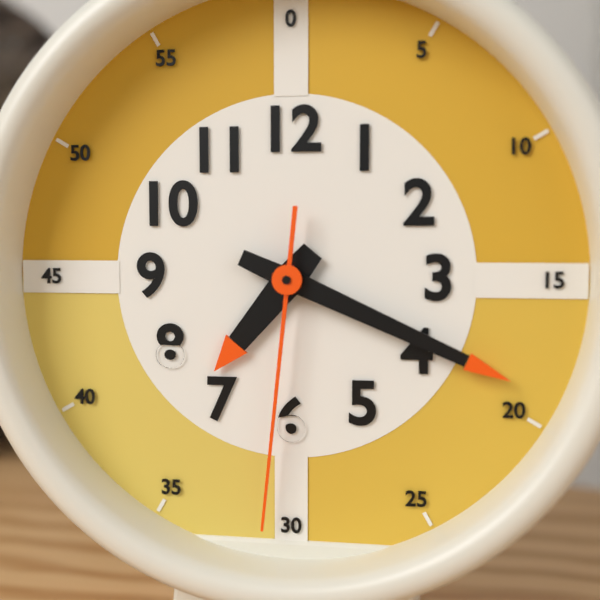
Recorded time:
7h19m31s
